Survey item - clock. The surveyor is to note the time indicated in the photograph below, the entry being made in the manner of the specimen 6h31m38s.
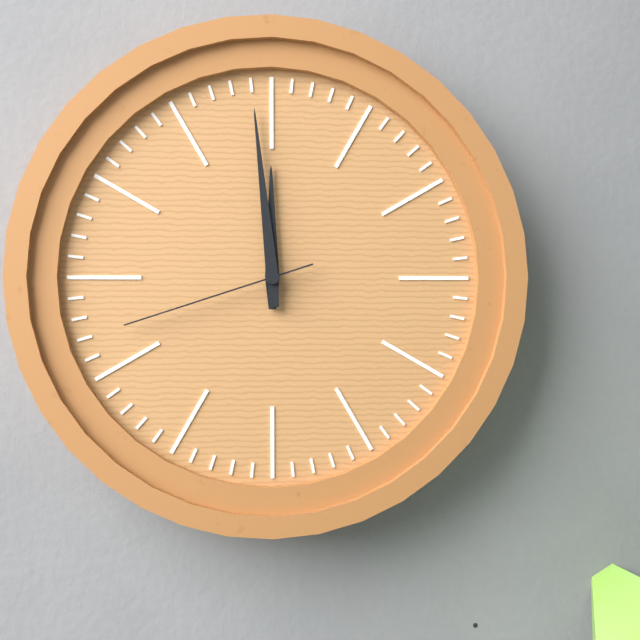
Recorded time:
11h59m42s
